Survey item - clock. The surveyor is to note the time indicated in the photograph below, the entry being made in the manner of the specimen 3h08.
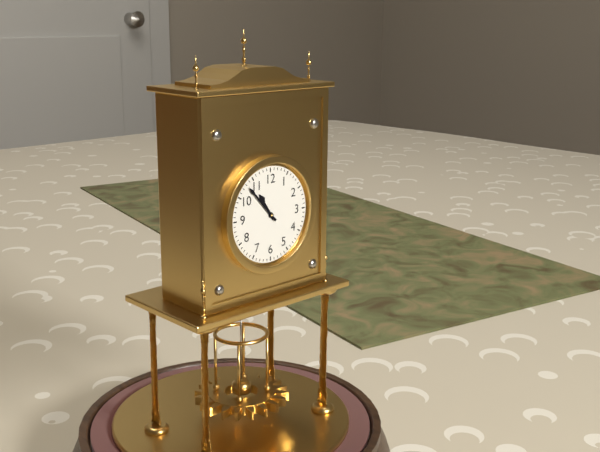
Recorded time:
10h53
